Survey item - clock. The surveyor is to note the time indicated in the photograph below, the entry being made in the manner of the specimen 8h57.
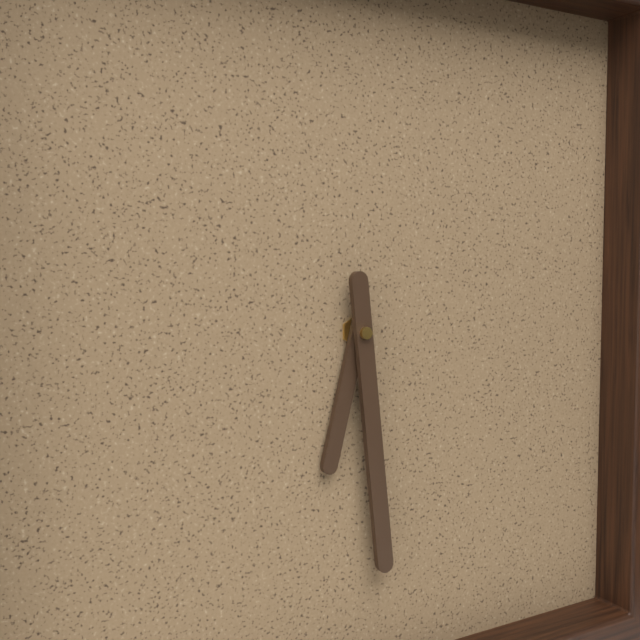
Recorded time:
6h29
